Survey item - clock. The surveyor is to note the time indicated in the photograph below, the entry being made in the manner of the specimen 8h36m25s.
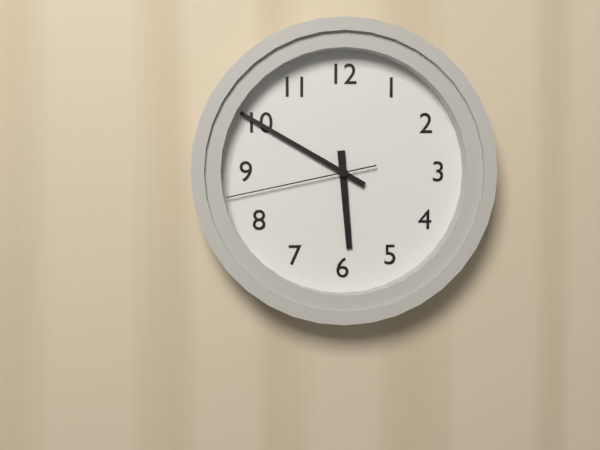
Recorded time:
5h50m43s
